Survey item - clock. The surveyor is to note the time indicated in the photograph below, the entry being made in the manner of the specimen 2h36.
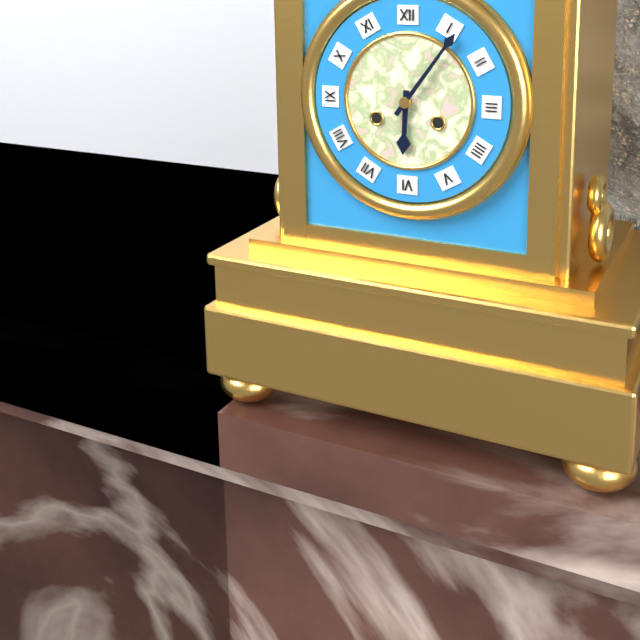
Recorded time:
6h06
